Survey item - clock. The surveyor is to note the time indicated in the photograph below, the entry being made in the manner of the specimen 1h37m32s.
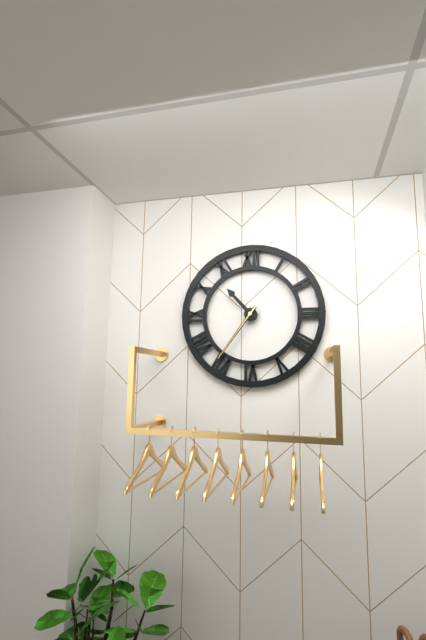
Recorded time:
10h36m36s
